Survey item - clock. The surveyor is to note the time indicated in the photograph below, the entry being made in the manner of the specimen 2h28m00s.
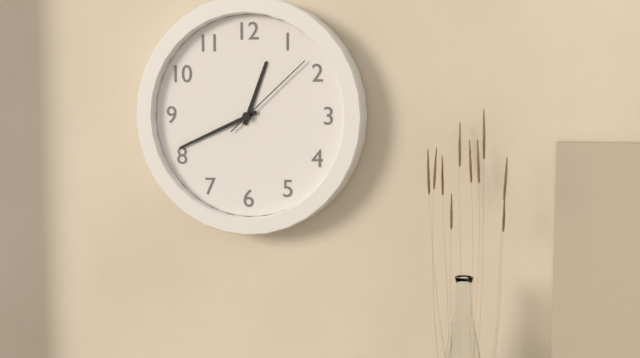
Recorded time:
12h41m08s
